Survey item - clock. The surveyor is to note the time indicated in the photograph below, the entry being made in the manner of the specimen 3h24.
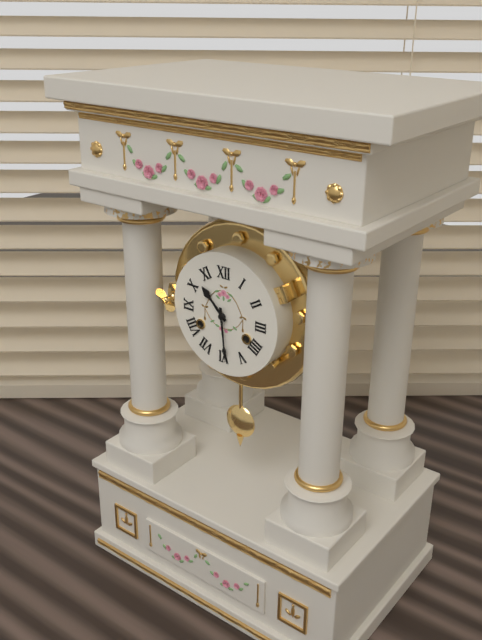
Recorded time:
10h29
